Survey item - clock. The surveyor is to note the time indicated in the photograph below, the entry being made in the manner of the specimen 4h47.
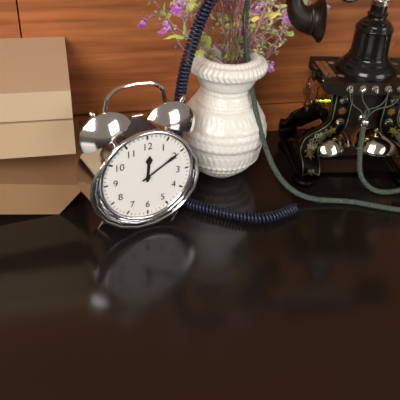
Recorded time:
12h10
